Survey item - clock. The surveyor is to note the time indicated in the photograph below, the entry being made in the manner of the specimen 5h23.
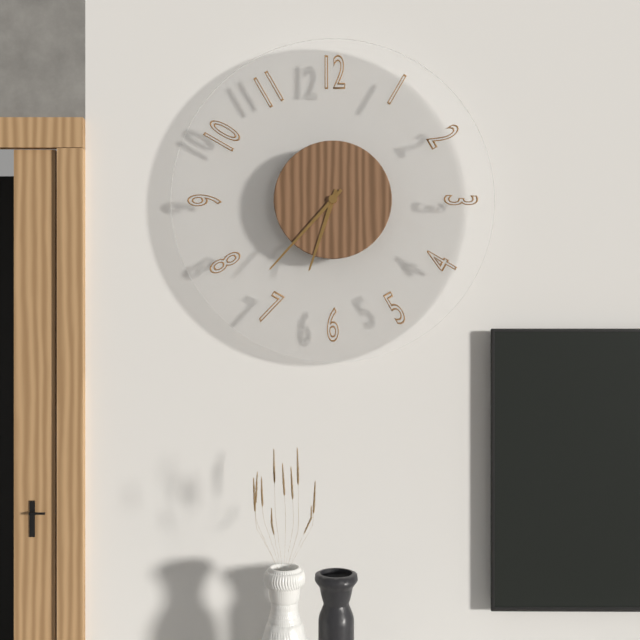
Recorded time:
6h37
